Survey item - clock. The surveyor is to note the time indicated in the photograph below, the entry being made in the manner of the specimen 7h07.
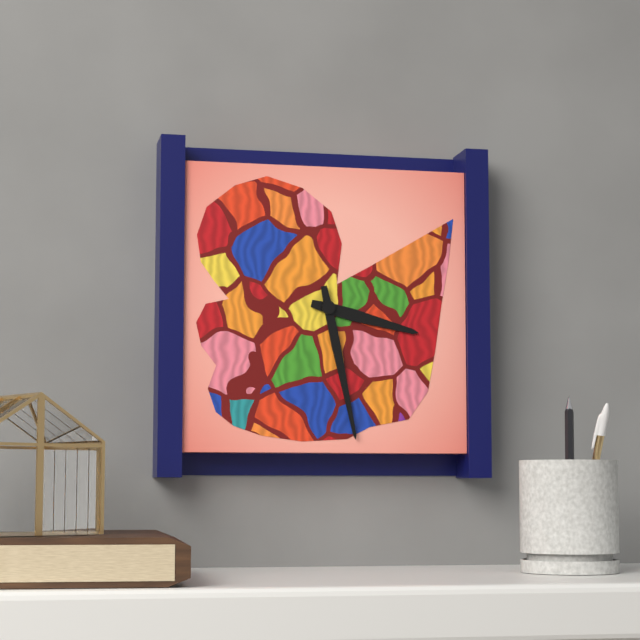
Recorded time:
3h28
